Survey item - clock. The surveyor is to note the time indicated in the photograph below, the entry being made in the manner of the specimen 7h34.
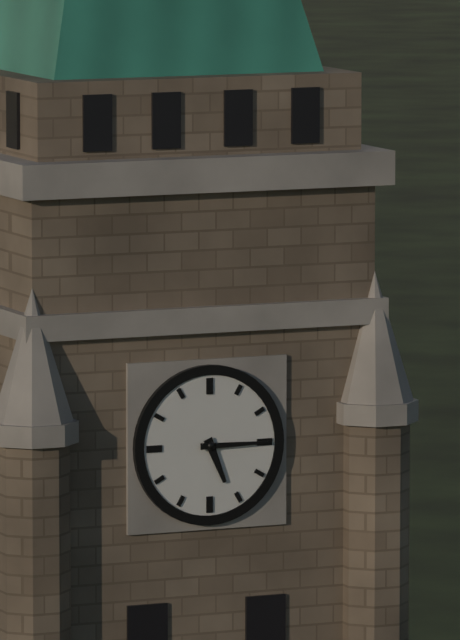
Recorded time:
5h15
